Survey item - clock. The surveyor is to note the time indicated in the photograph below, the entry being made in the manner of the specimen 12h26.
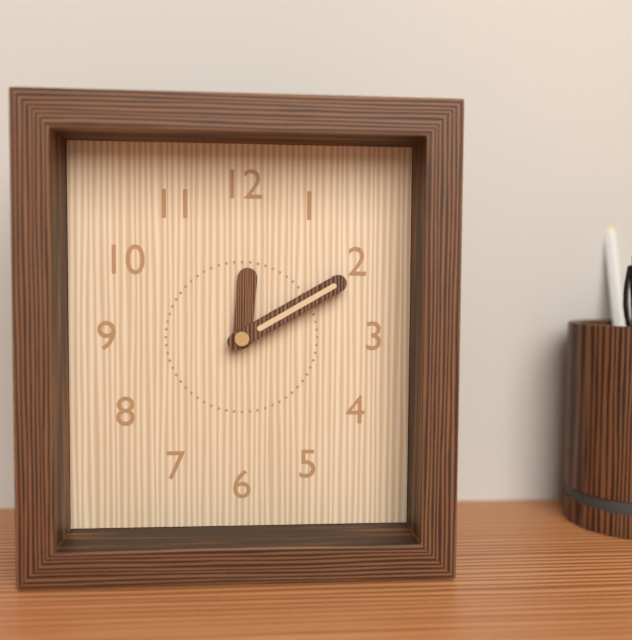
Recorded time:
12h10
